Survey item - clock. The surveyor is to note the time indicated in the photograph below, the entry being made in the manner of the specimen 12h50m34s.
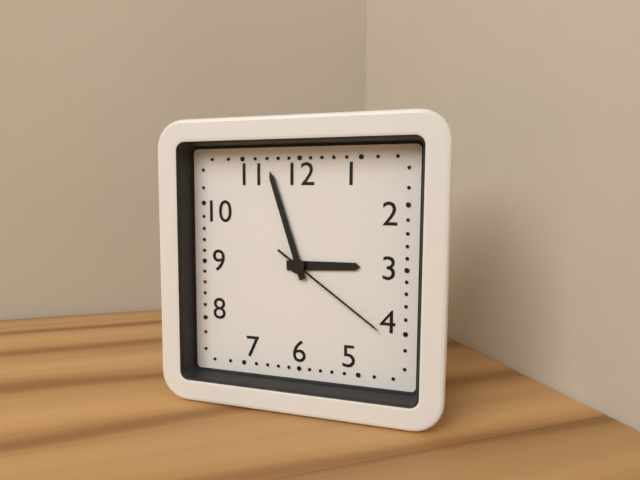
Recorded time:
2h57m21s
